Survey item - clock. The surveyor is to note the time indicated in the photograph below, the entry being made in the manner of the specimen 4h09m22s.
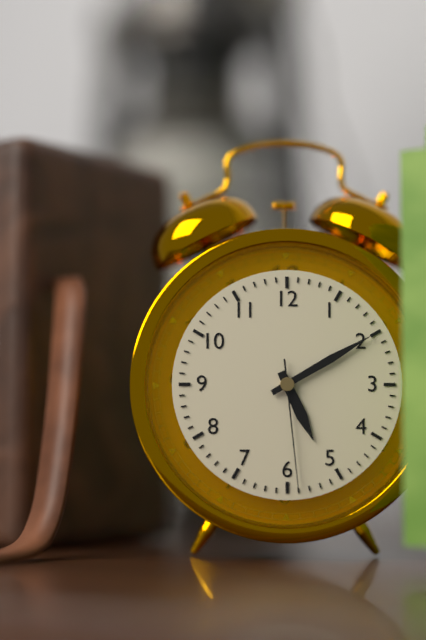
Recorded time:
5h10m29s
